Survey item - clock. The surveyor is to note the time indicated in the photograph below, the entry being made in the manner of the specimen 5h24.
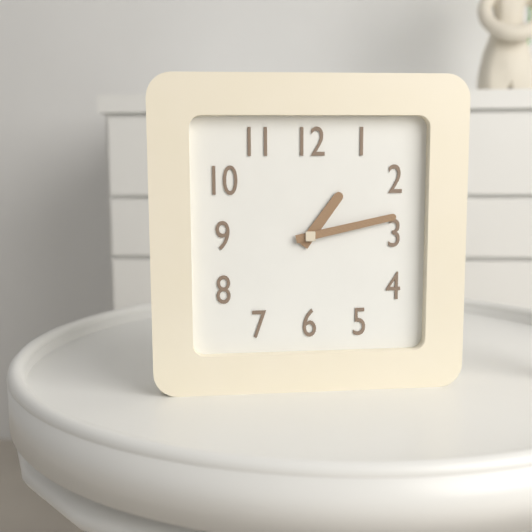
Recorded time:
1h13
